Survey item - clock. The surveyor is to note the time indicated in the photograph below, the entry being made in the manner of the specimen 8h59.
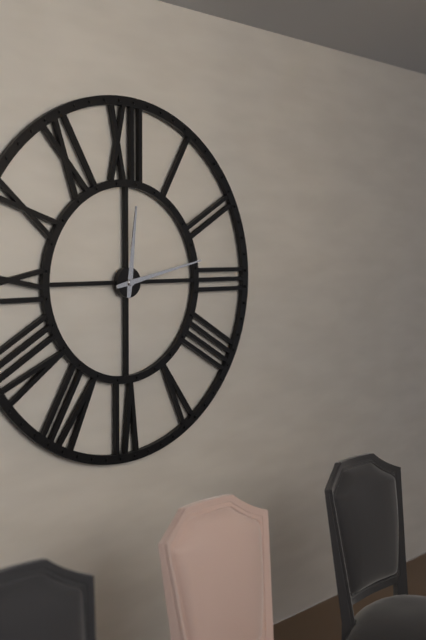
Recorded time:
12h13
